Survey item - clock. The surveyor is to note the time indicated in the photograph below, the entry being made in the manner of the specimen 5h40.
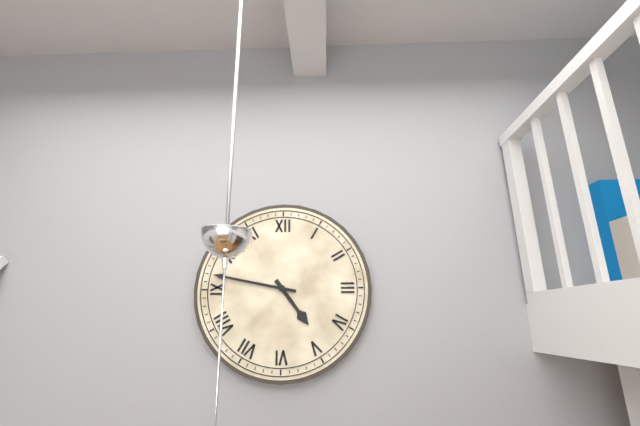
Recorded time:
4h47
